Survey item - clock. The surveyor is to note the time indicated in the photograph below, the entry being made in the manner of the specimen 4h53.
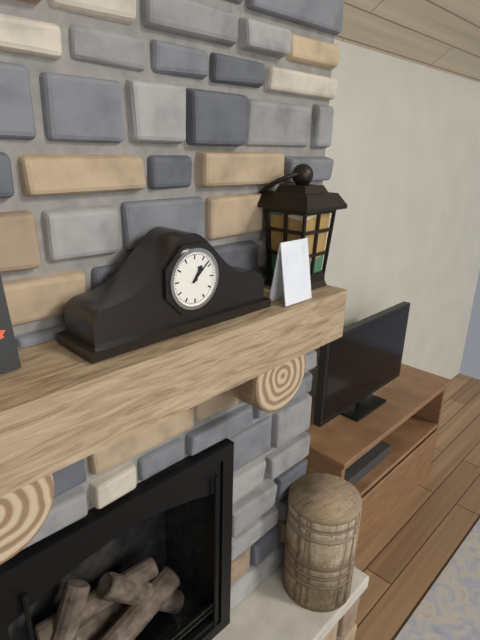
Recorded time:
1h08
